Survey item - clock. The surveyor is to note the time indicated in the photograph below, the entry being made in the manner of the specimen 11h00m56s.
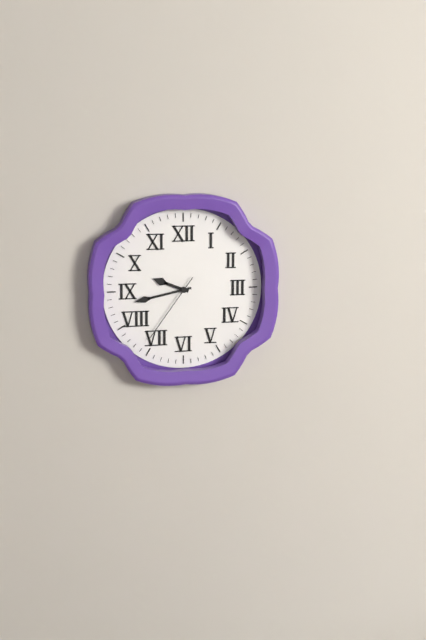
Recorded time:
9h43m36s
